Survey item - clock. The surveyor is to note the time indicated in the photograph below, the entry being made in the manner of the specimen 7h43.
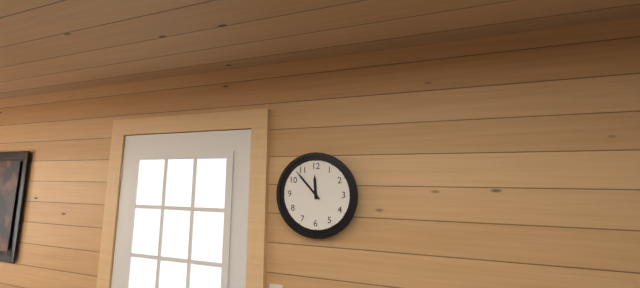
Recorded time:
11h53
